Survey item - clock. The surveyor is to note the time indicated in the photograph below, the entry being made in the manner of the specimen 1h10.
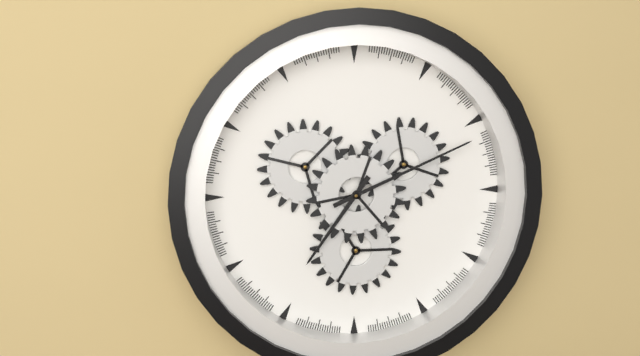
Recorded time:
7h11
